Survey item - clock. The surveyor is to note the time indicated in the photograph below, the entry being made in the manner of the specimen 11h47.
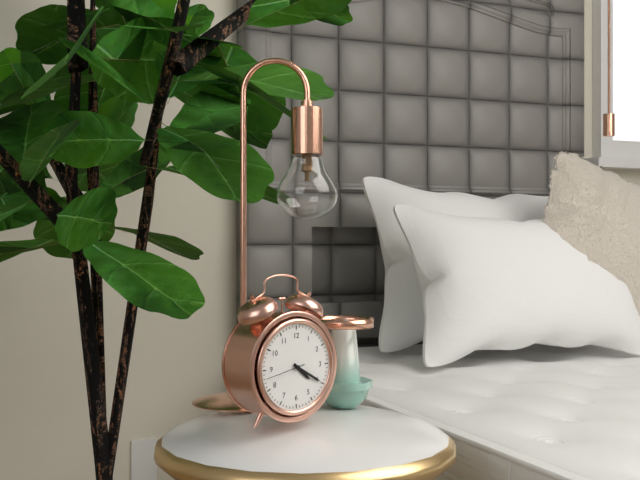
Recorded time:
4h20
